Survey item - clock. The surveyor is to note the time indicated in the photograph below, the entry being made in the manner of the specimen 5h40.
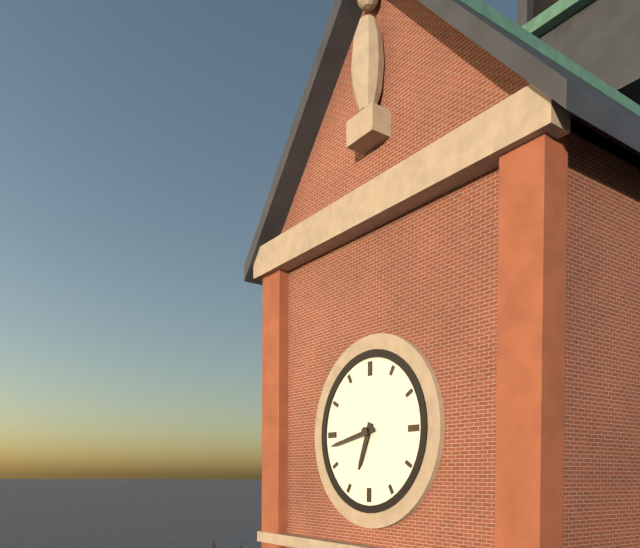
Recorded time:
6h43
